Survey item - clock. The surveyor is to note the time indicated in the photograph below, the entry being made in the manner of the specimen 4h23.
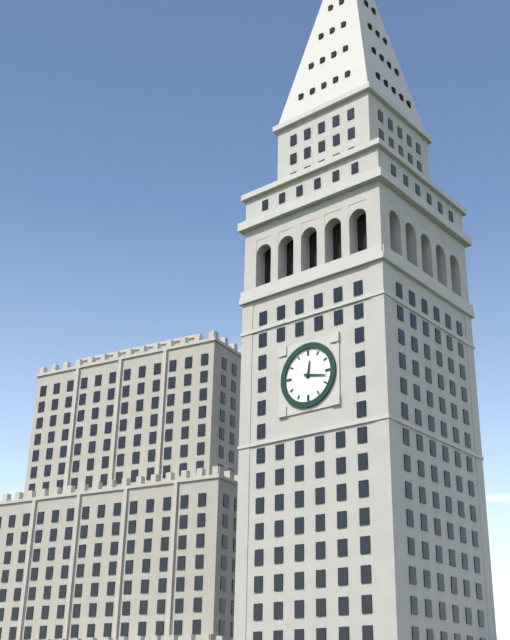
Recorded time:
12h17
